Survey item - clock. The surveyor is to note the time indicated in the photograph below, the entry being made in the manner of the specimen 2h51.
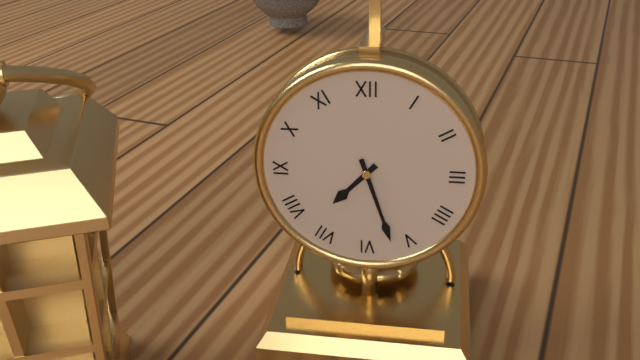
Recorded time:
7h27
